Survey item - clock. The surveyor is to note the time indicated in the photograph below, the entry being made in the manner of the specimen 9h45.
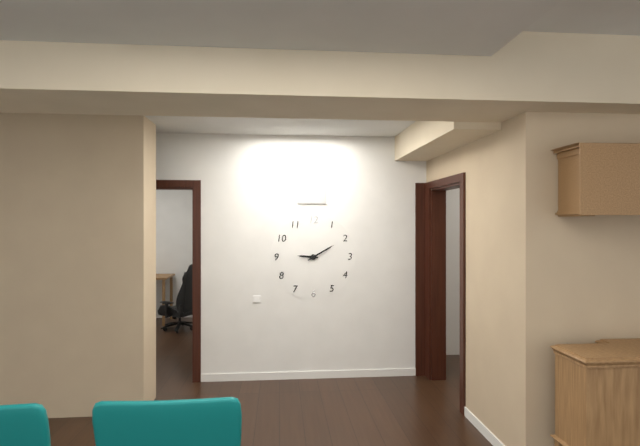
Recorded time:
9h10
